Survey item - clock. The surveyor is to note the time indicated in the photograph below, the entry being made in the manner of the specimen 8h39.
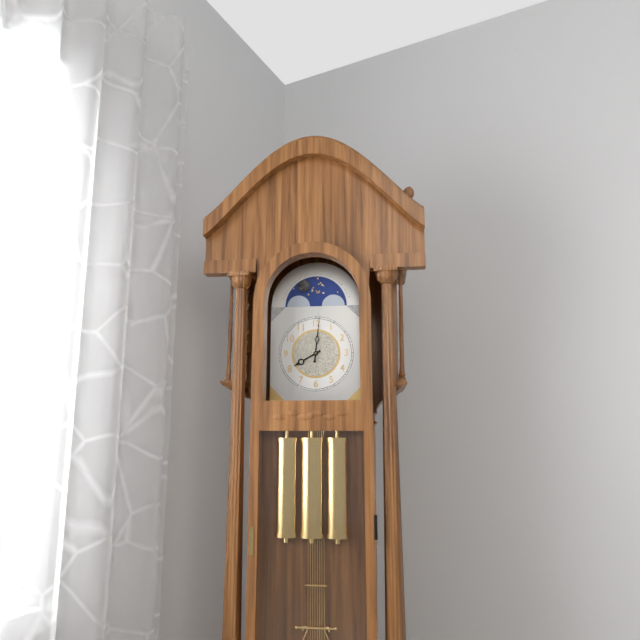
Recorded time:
8h01
